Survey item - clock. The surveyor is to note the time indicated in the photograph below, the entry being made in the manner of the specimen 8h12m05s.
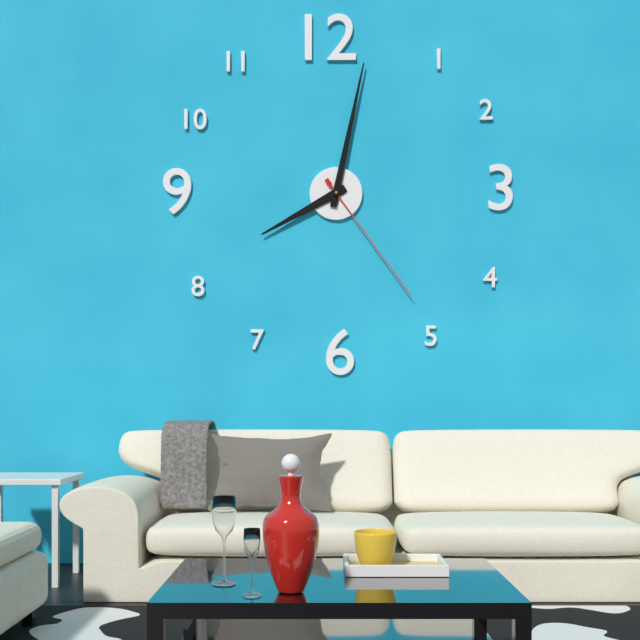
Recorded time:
8h02m24s
